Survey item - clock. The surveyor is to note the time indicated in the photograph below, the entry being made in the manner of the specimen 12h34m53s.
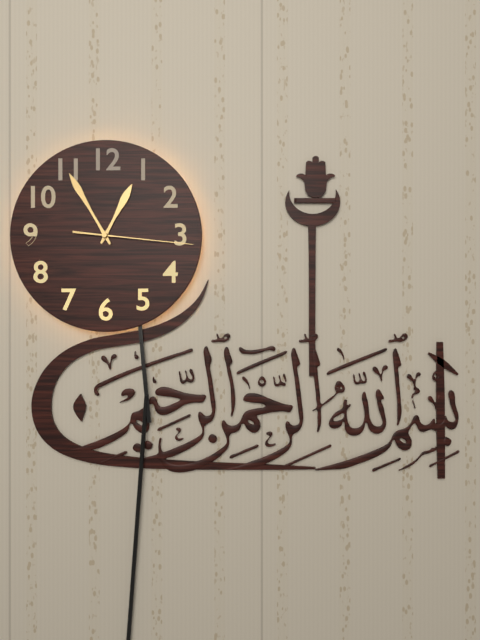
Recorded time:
12h55m16s
